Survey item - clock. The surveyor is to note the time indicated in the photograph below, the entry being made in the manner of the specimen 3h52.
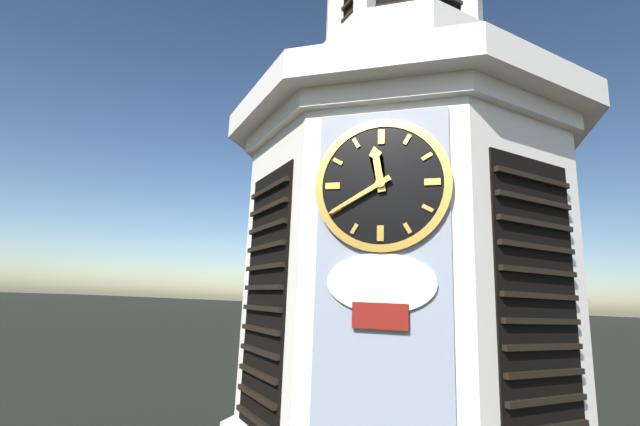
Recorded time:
11h40
